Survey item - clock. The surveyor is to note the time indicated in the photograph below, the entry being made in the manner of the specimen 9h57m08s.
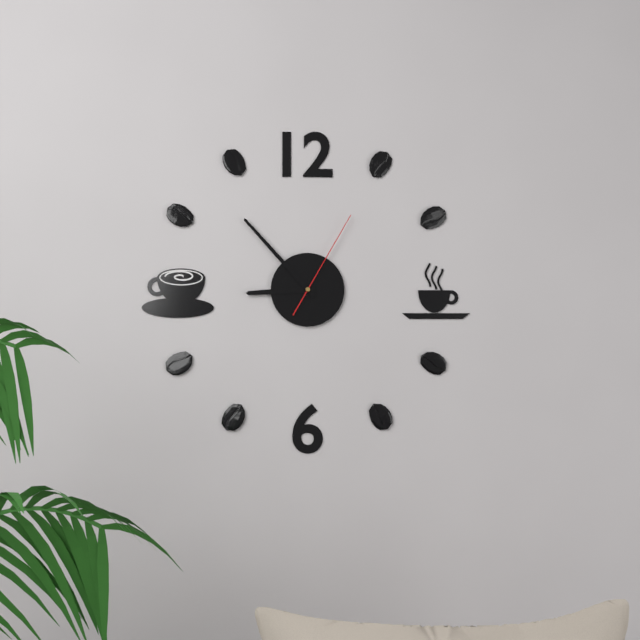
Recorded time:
8h53m05s
